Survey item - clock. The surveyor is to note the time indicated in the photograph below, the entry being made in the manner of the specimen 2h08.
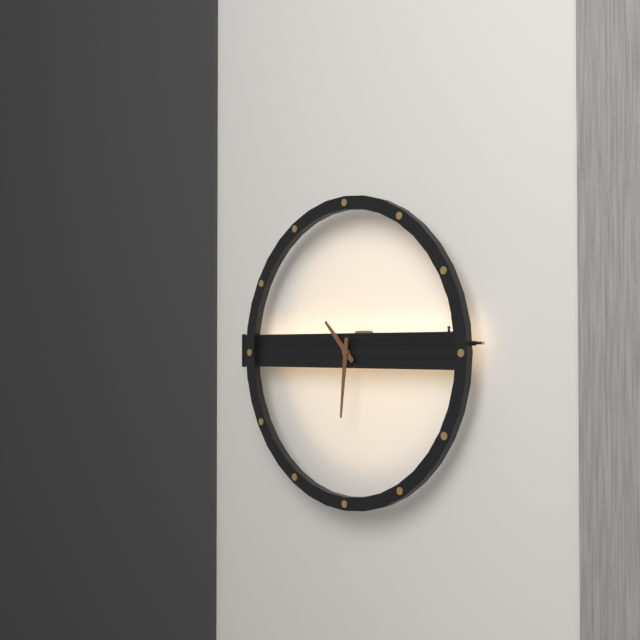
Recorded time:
10h31
